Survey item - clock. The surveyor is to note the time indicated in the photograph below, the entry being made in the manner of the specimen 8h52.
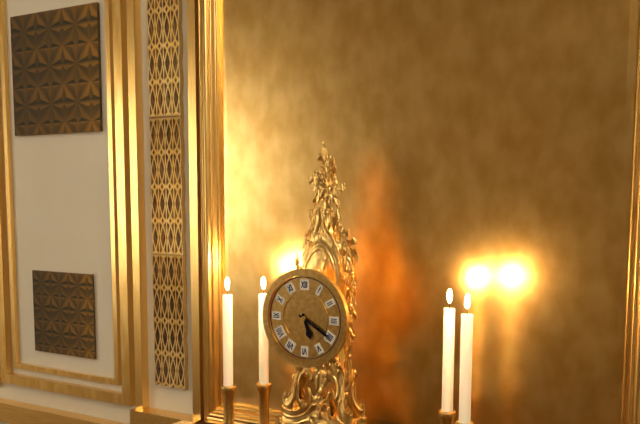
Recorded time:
5h20
